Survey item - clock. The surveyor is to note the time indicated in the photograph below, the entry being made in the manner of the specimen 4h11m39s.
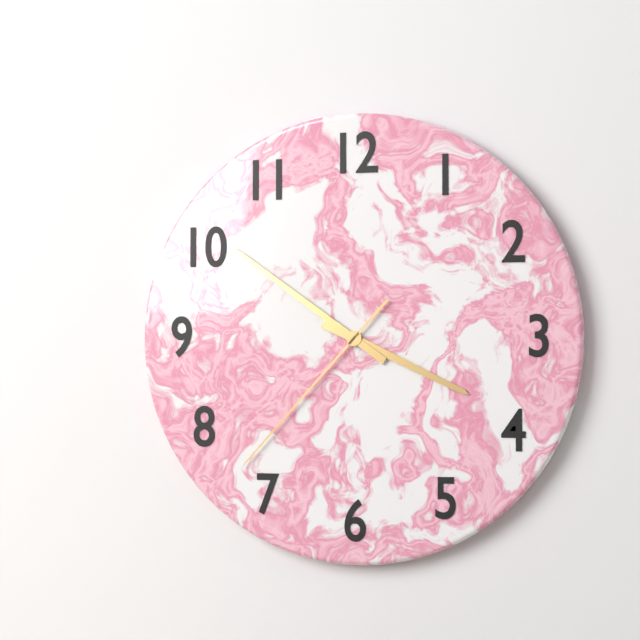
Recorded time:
3h51m37s
